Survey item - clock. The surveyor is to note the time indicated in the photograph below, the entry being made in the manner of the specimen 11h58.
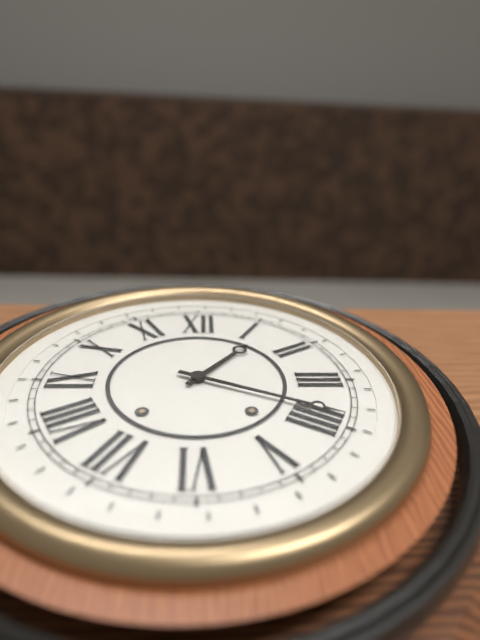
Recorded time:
1h19
